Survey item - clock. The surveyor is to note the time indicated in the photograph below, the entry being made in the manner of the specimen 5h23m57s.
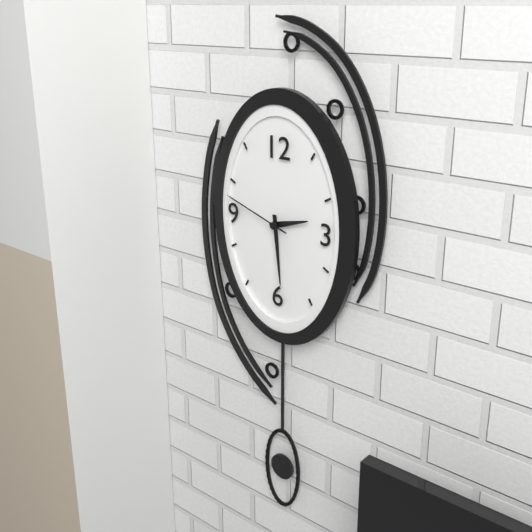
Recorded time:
2h29m48s
